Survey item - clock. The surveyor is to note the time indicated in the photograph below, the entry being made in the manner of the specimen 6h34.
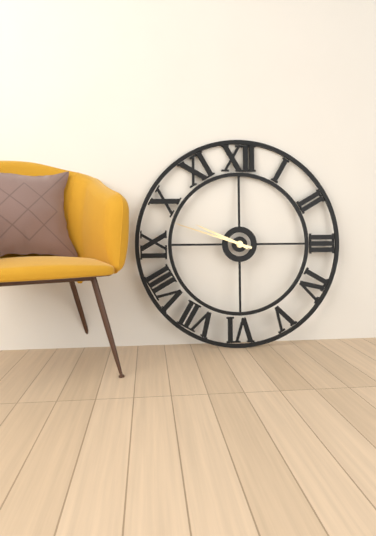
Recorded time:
9h48
